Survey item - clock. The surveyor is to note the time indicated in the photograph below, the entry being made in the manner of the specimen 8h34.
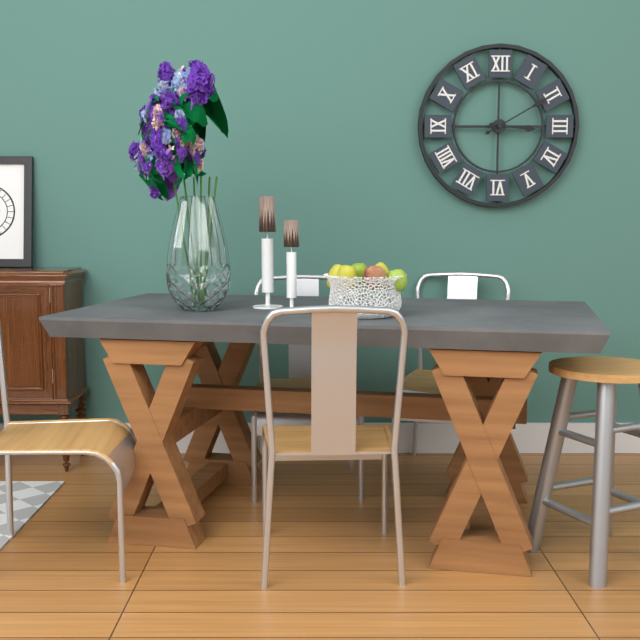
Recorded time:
3h10
